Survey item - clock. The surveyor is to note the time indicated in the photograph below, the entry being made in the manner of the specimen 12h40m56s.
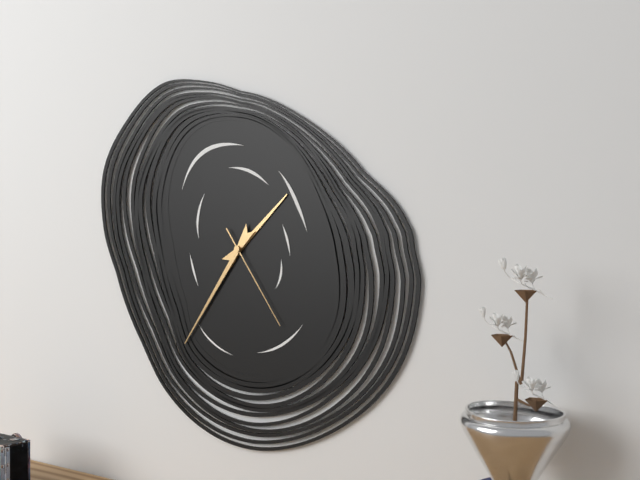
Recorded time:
1h36m24s
